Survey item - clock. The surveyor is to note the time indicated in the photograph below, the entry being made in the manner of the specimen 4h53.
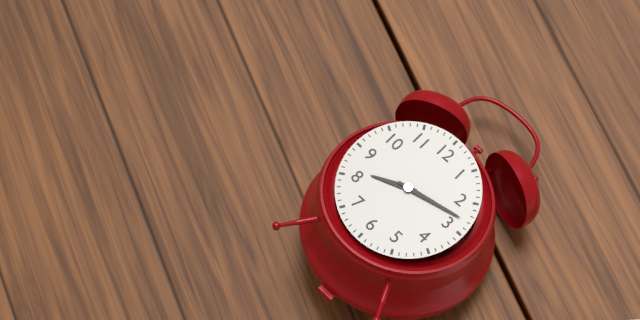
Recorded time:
8h13
